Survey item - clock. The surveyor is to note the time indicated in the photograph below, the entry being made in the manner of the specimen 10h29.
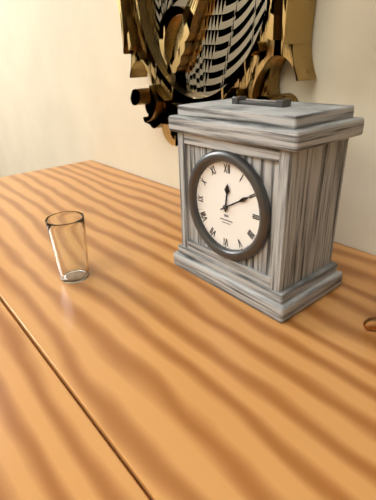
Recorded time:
12h10
